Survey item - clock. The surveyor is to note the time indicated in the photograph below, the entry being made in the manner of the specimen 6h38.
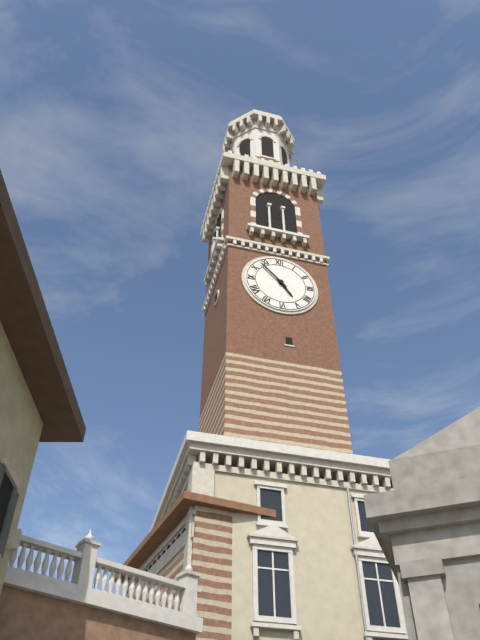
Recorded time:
4h53
